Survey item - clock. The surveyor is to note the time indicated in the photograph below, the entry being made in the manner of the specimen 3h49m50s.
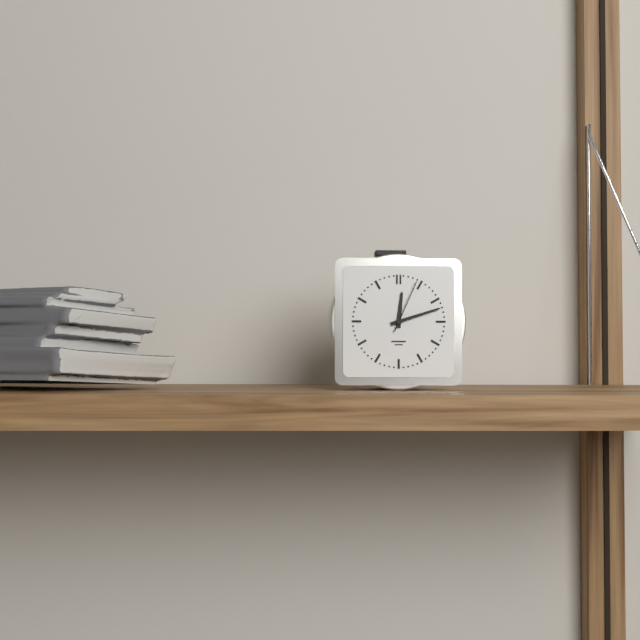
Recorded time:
12h12m04s
